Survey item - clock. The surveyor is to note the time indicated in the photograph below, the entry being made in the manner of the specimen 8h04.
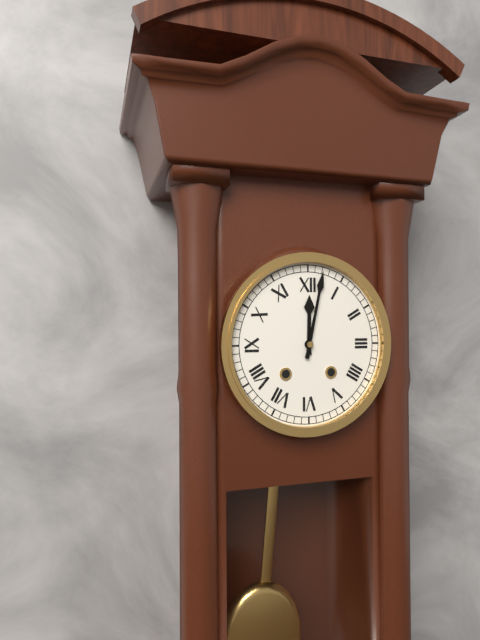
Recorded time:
12h02
